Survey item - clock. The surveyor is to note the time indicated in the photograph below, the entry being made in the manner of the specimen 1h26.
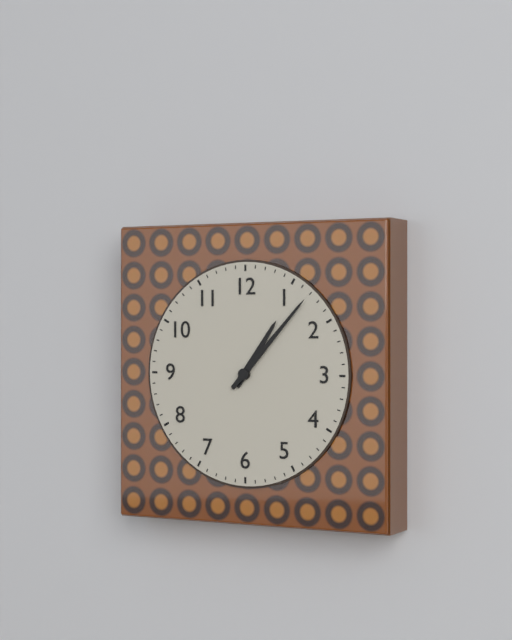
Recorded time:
1h07
